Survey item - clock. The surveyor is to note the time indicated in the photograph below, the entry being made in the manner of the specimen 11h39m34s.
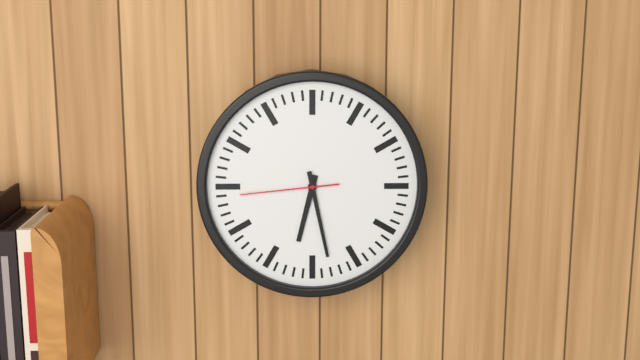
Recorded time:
6h28m44s
